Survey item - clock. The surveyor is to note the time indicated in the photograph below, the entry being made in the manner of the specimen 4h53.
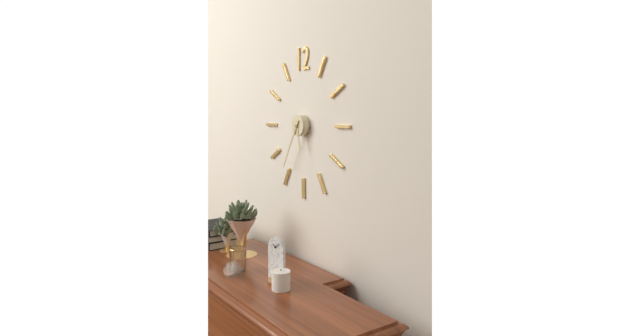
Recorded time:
5h35
